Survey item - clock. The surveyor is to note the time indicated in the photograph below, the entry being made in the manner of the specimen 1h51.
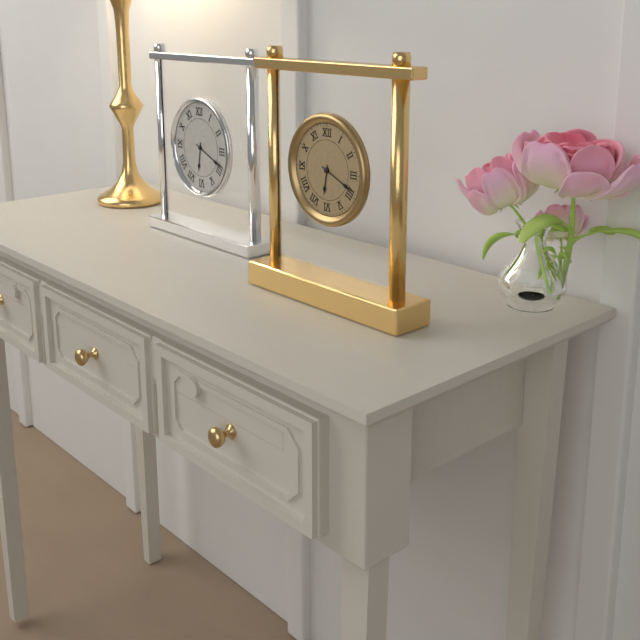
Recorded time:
6h19
